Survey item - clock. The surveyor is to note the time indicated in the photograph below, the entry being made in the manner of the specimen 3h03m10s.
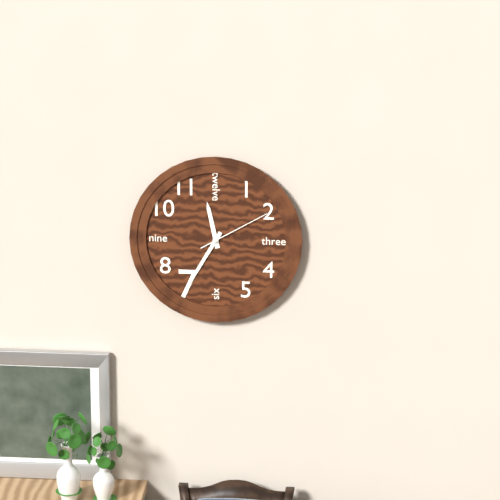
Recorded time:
11h35m10s
